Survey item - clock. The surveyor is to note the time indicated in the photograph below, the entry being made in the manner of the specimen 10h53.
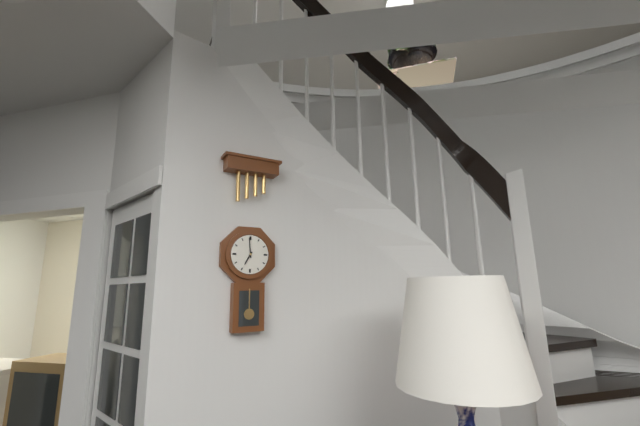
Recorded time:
6h59
